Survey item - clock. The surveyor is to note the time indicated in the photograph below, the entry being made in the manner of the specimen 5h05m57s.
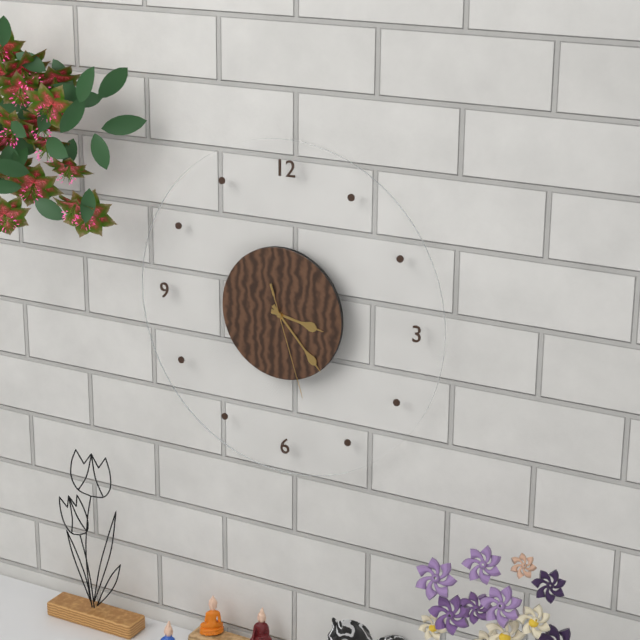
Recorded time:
3h23m27s
